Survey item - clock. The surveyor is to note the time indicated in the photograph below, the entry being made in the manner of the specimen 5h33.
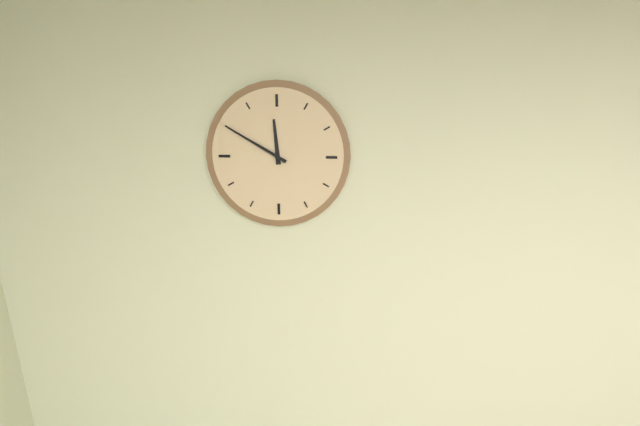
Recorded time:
11h50
